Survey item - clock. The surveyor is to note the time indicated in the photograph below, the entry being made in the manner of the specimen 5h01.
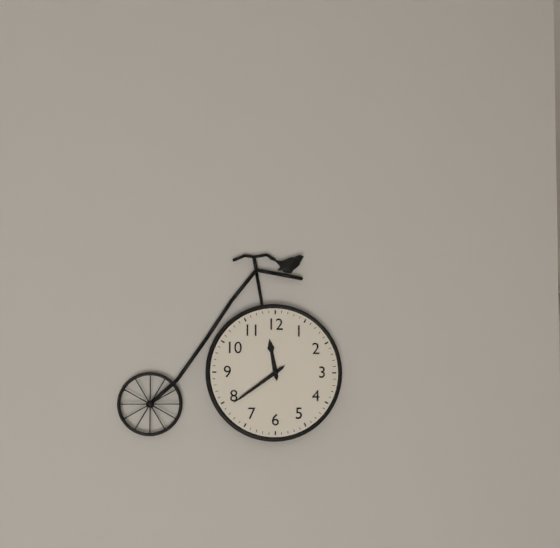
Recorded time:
11h39
